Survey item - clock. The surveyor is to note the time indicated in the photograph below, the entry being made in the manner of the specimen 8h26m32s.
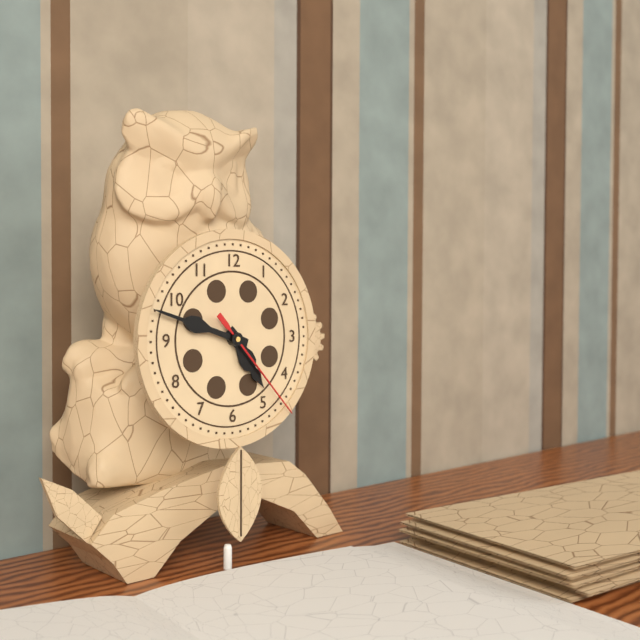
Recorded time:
4h48m23s
